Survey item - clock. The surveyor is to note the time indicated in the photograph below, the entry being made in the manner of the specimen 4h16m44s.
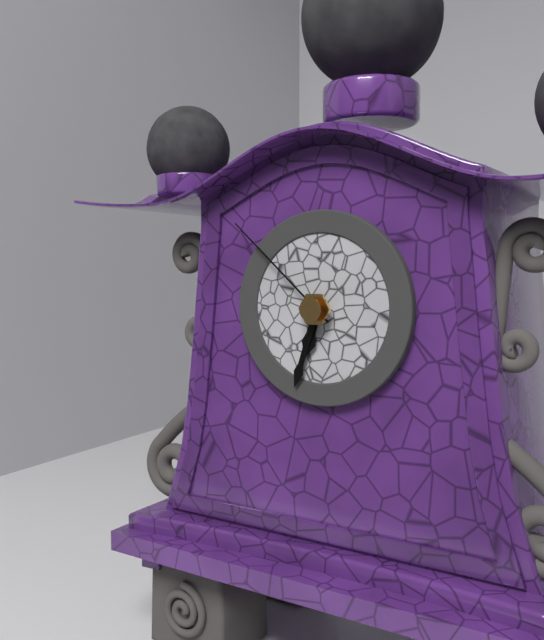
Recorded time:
6h33m52s
